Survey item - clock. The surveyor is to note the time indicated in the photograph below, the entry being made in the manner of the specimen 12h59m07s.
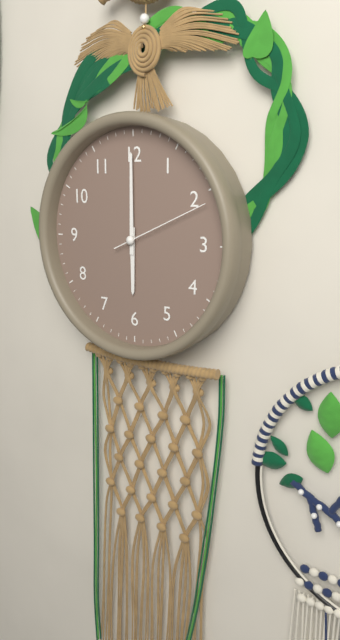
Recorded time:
6h00m11s
